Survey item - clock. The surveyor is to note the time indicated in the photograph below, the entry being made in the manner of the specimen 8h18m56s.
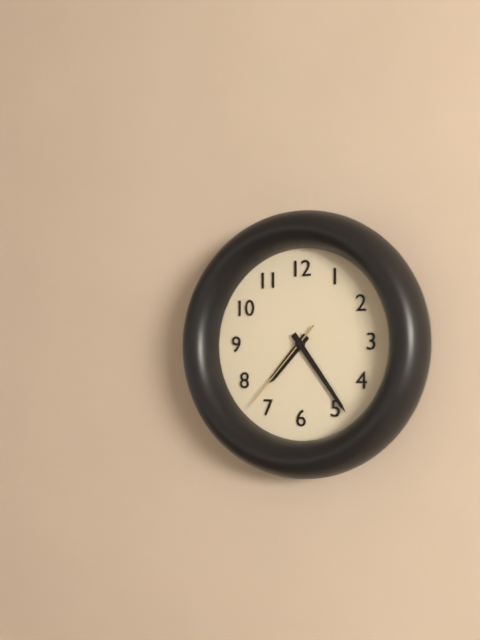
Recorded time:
7h24m37s
